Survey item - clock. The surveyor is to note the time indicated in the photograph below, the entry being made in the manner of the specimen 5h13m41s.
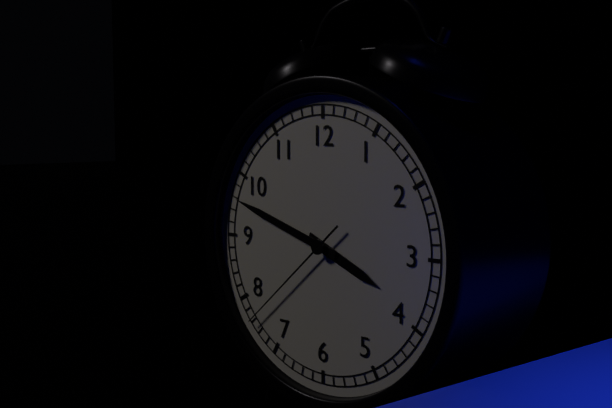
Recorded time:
3h48m38s
